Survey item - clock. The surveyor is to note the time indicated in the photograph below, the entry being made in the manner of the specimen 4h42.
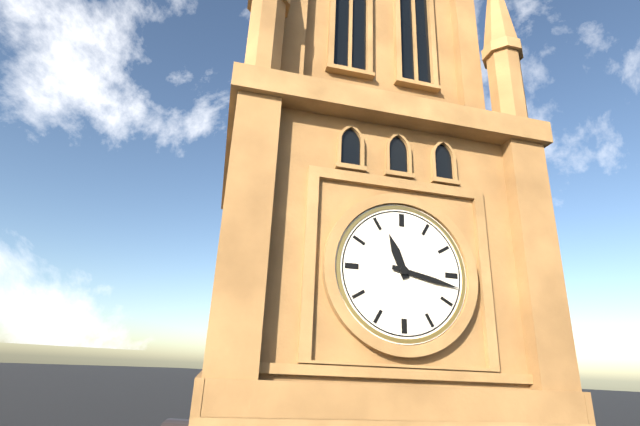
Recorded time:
11h17
